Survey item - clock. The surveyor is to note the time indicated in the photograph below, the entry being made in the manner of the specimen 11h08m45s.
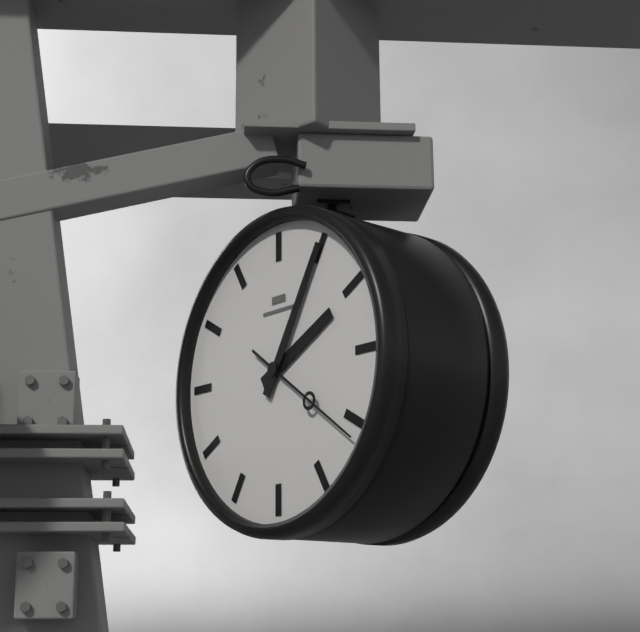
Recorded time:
2h05m21s
